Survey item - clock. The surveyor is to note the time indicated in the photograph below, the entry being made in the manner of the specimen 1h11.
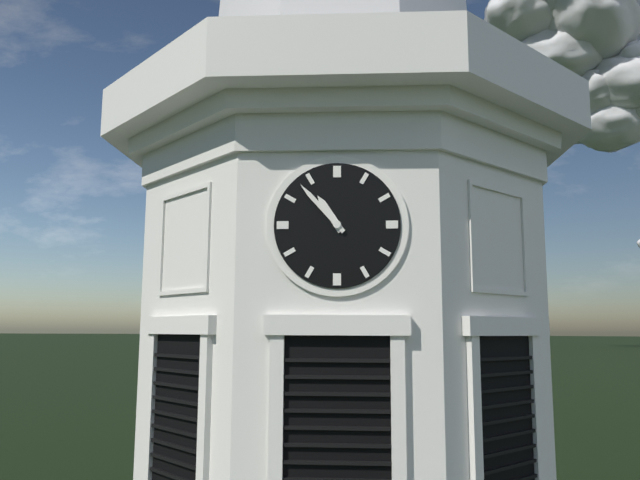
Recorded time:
10h53
